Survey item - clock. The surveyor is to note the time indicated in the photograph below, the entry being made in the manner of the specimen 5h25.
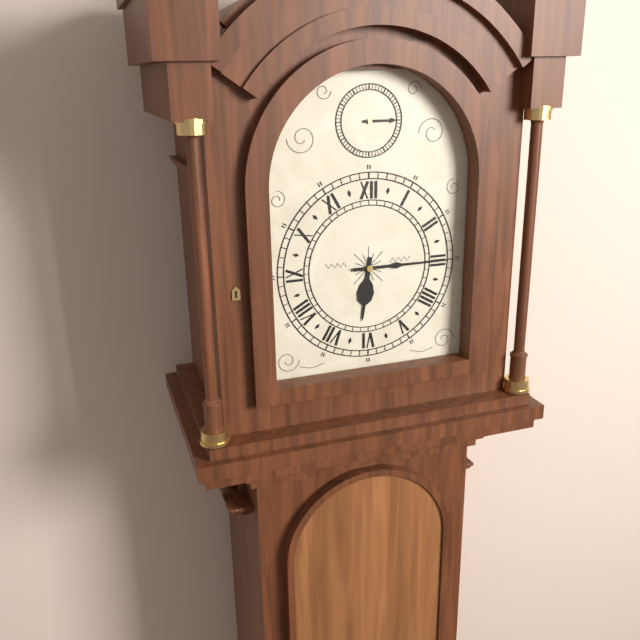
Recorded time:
6h15
